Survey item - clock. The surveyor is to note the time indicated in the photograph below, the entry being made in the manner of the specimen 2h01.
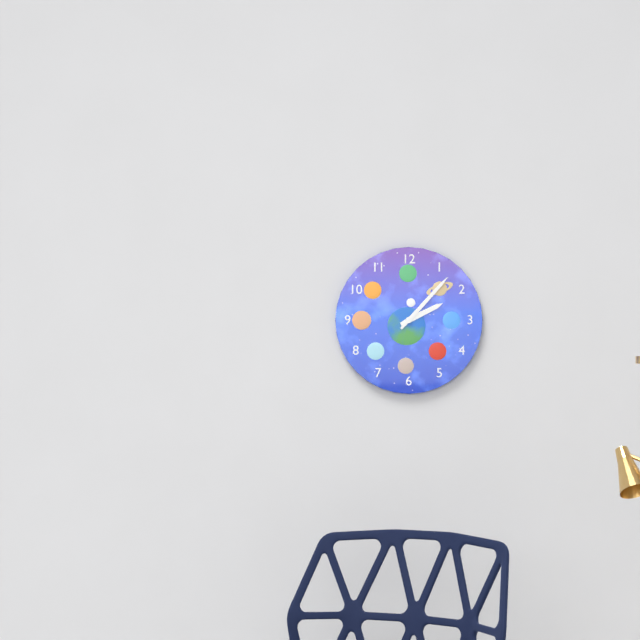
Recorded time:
2h07
